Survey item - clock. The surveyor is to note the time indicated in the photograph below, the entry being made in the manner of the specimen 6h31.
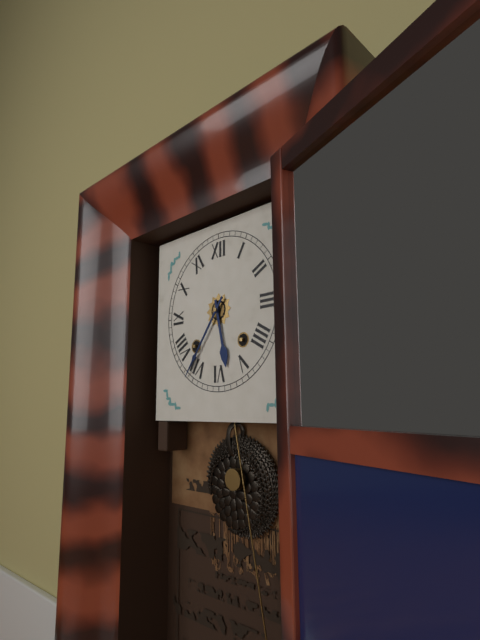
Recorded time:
5h36
